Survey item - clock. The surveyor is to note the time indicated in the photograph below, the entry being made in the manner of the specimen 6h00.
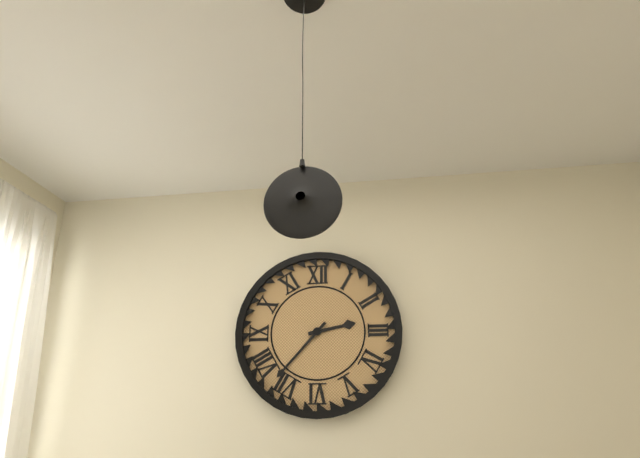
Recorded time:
2h37
